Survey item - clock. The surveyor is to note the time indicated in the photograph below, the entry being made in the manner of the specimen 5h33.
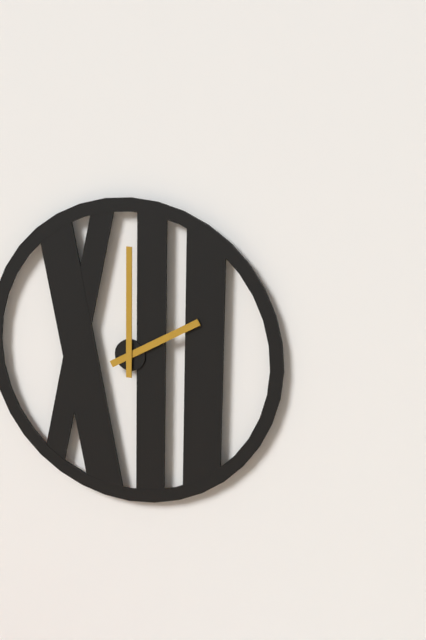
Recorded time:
2h00
